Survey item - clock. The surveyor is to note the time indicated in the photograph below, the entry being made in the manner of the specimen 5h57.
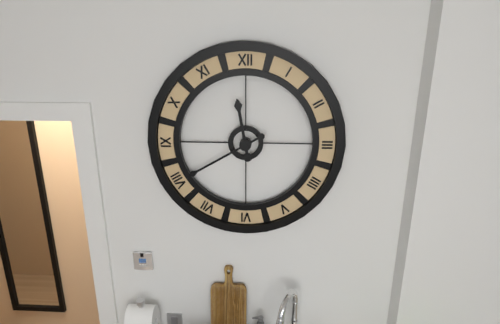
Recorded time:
11h40
